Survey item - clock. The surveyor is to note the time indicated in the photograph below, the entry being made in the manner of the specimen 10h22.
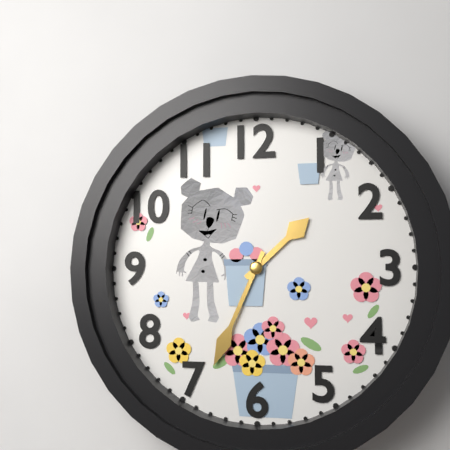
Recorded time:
1h34
